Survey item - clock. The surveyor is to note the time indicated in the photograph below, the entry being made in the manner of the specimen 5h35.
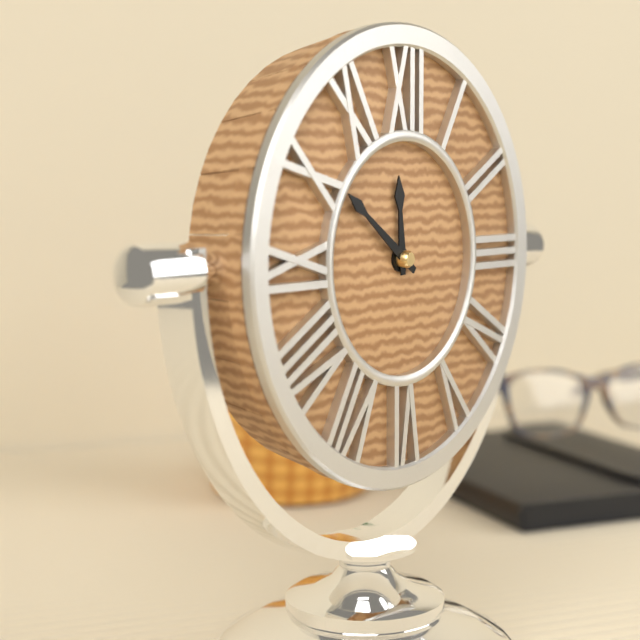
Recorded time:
11h51
